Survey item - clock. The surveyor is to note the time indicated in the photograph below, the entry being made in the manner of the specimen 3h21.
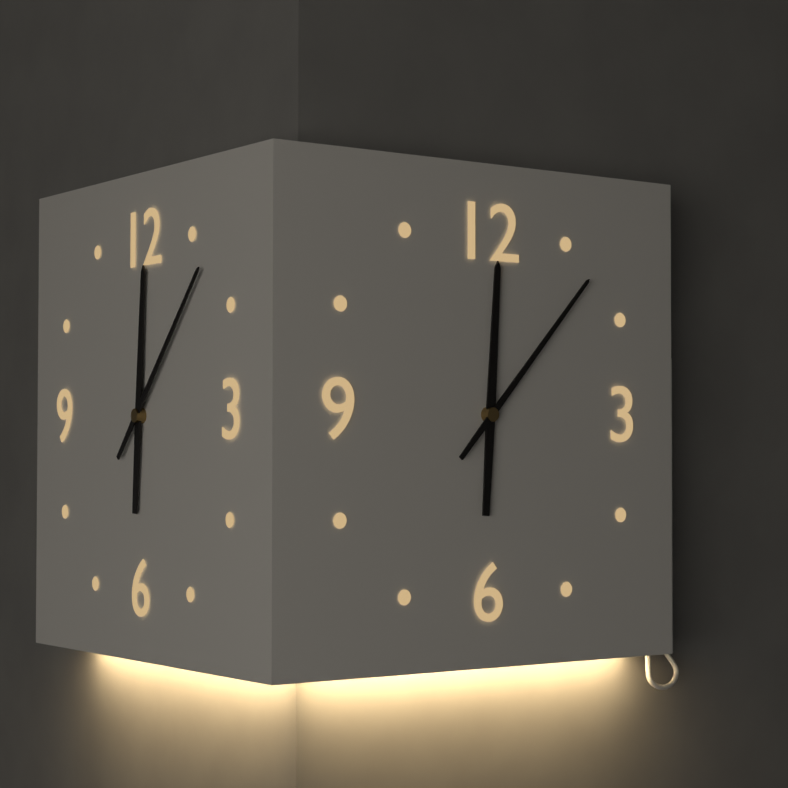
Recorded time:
12h07
